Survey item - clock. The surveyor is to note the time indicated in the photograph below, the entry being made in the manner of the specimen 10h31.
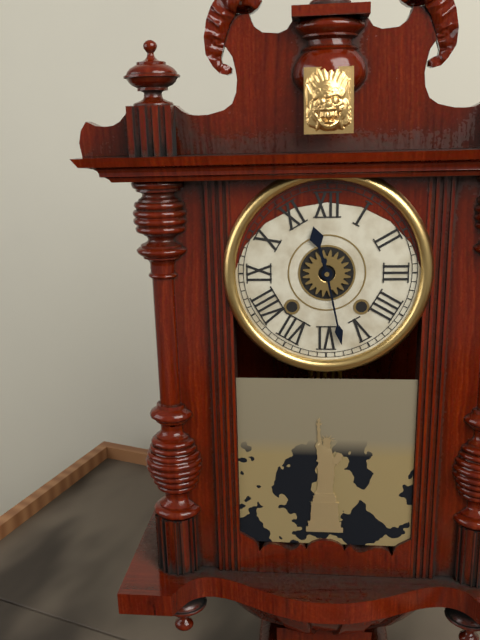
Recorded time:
11h28
